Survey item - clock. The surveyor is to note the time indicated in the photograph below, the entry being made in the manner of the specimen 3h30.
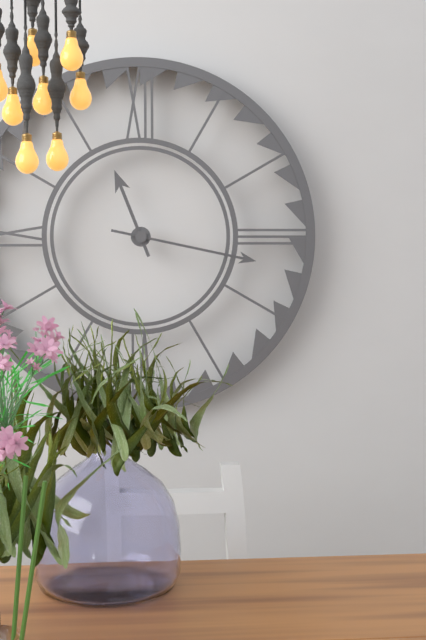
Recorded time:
11h17
